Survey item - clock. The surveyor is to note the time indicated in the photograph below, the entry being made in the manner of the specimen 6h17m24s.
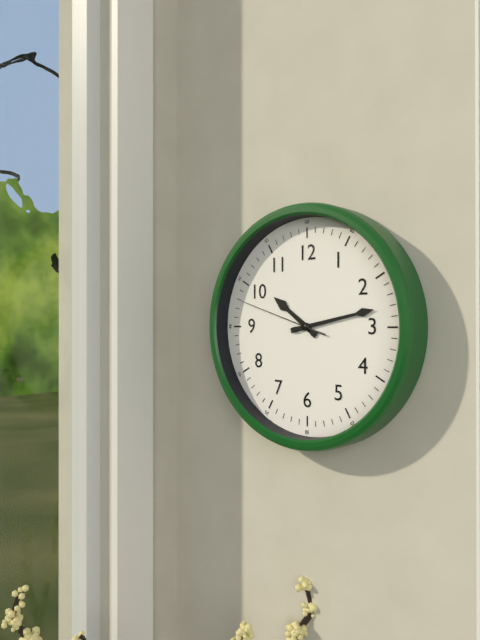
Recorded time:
10h13m48s
